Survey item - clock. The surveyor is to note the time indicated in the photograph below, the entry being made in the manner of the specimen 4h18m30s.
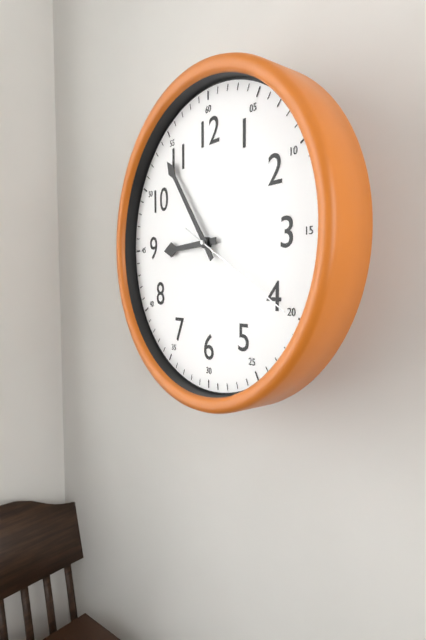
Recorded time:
8h54m20s
